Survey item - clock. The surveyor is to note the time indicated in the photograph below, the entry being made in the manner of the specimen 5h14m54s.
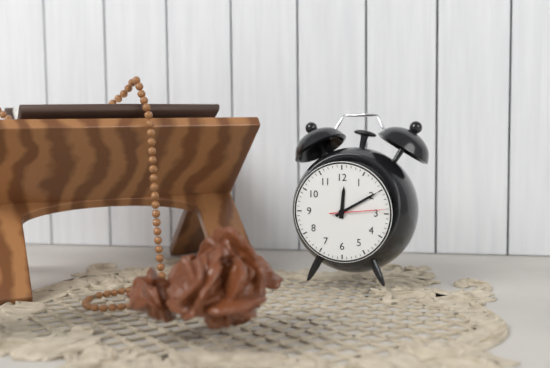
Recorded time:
12h10m14s
